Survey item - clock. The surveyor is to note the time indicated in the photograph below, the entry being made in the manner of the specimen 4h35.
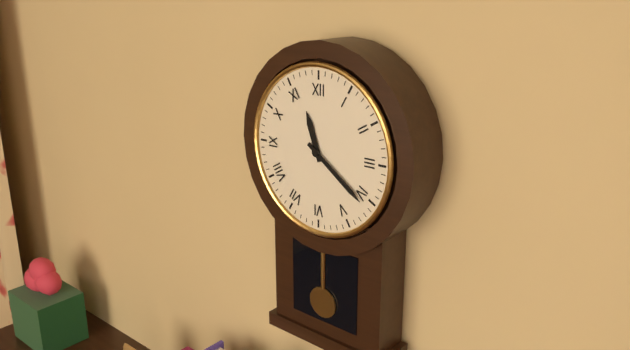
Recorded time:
11h21
